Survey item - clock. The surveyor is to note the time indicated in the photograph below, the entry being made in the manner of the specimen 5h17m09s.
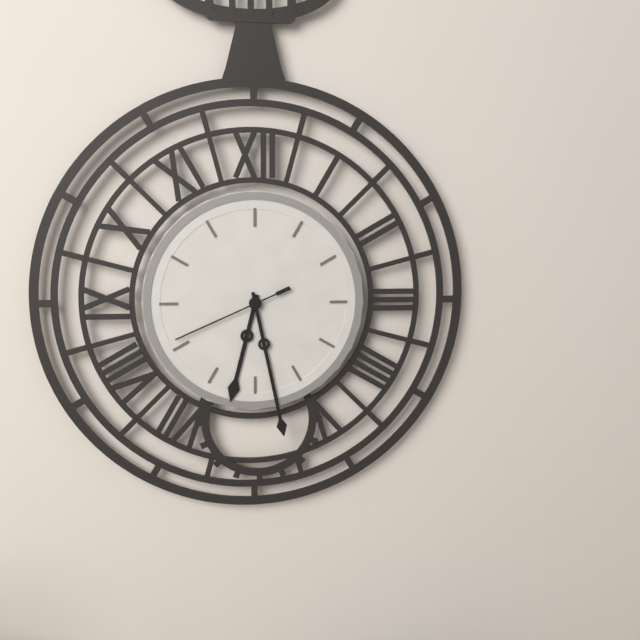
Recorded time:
6h28m41s
